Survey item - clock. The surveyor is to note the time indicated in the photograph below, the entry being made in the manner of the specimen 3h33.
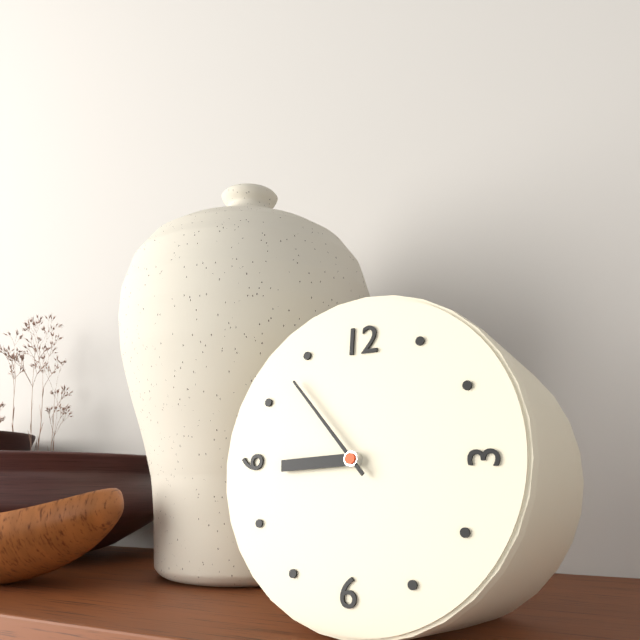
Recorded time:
8h53
